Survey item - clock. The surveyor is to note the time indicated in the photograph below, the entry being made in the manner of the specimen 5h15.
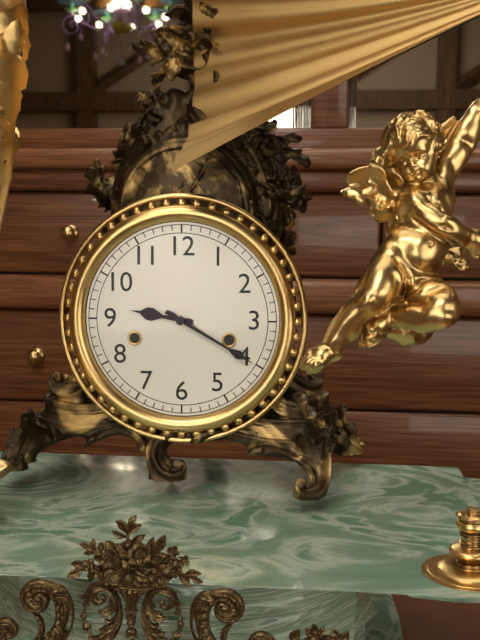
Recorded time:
9h20
